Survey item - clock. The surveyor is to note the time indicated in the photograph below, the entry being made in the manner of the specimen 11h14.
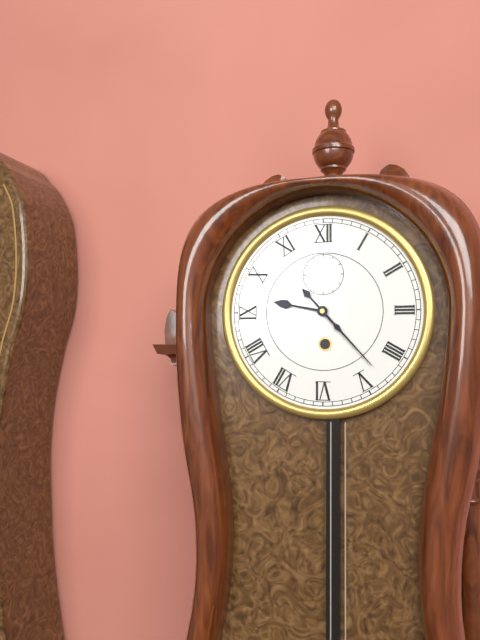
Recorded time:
9h23
